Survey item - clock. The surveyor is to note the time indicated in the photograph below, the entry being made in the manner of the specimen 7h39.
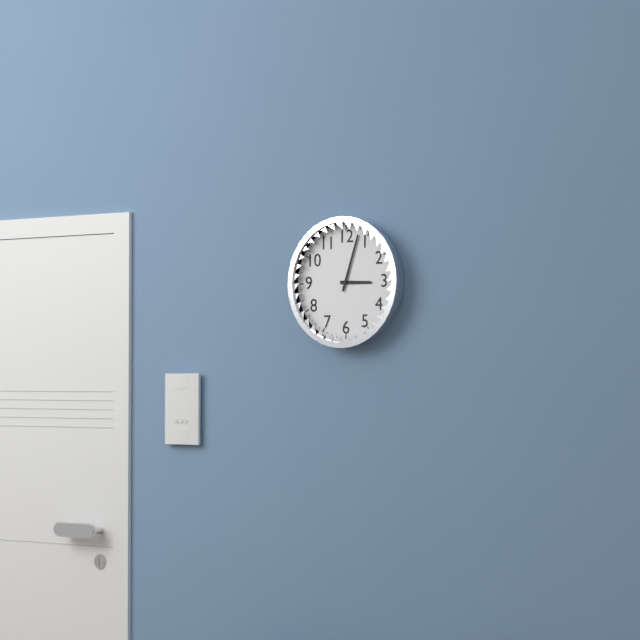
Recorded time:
3h03
